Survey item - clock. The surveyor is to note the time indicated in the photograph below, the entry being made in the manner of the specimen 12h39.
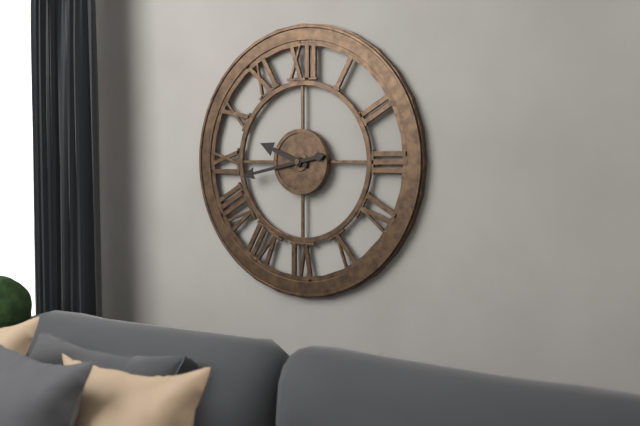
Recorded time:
9h43
